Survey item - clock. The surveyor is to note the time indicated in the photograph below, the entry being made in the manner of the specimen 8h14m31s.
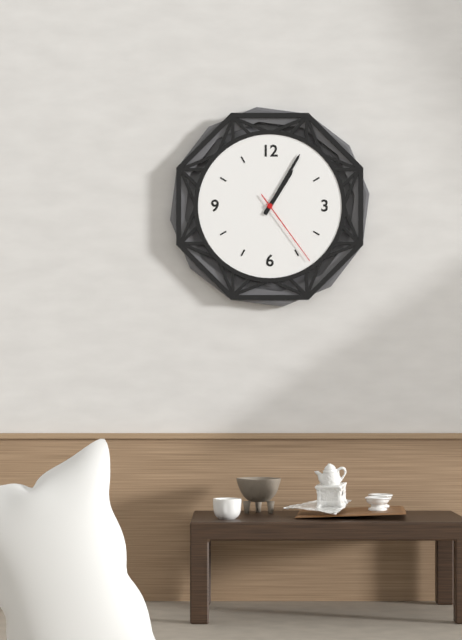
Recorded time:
1h05m24s
